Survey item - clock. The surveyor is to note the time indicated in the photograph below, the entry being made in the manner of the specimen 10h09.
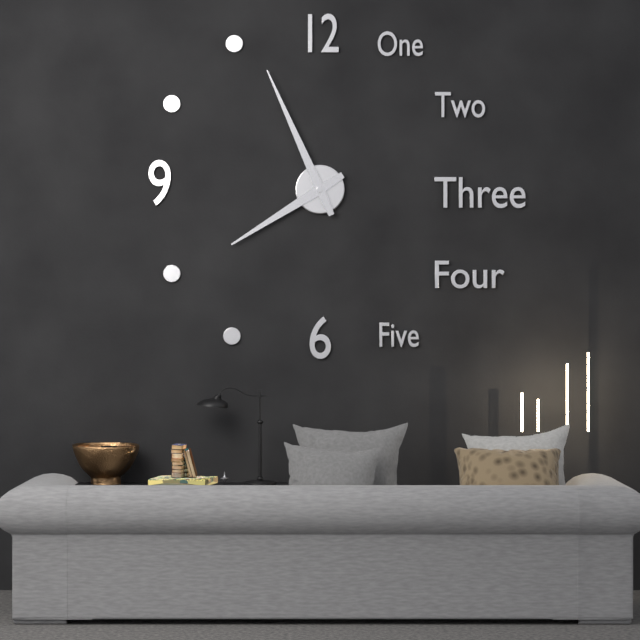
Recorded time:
7h56
